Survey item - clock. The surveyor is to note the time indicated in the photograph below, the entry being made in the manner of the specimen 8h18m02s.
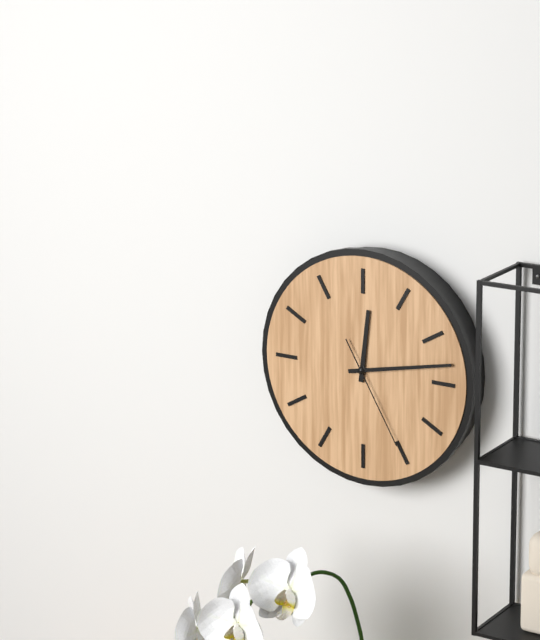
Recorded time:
12h13m25s
